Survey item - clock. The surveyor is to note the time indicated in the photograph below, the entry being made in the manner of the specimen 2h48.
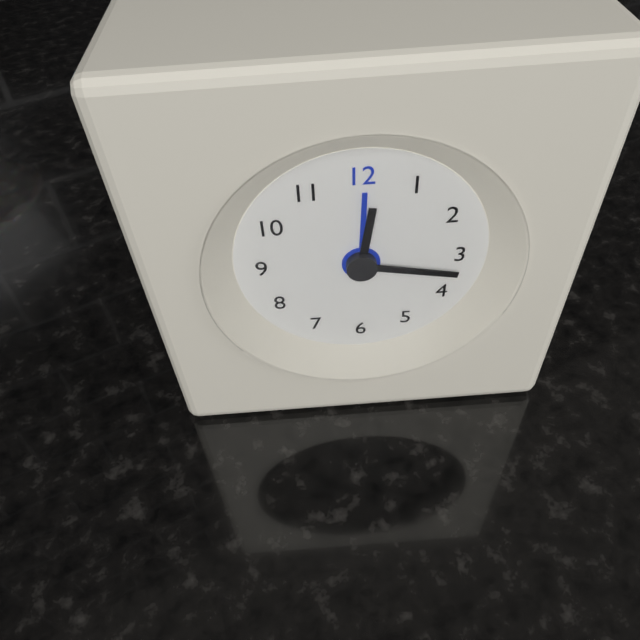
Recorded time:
12h17
